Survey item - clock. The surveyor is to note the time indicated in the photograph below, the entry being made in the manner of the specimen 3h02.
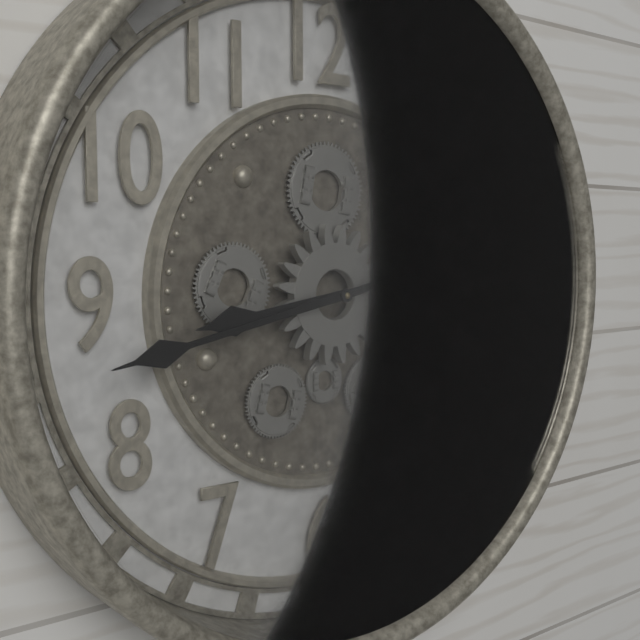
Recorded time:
8h43
